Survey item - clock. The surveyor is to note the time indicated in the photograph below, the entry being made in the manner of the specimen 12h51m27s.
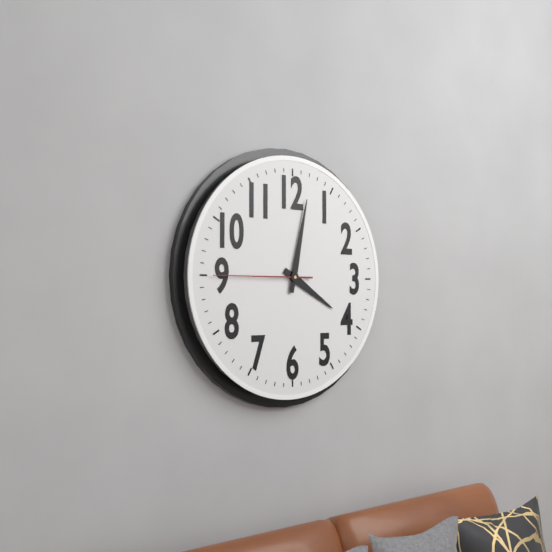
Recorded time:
4h02m45s
